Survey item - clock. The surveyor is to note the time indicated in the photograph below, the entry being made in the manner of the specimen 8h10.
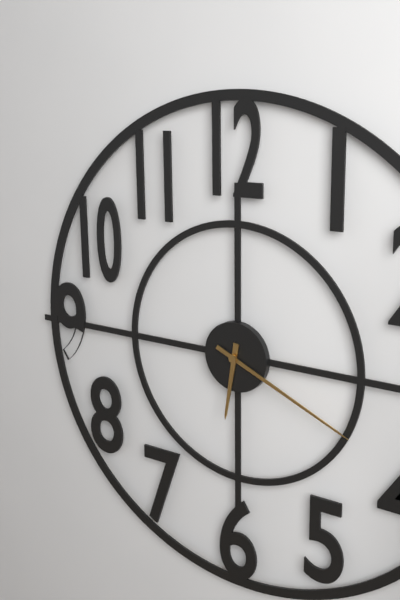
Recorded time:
6h19
